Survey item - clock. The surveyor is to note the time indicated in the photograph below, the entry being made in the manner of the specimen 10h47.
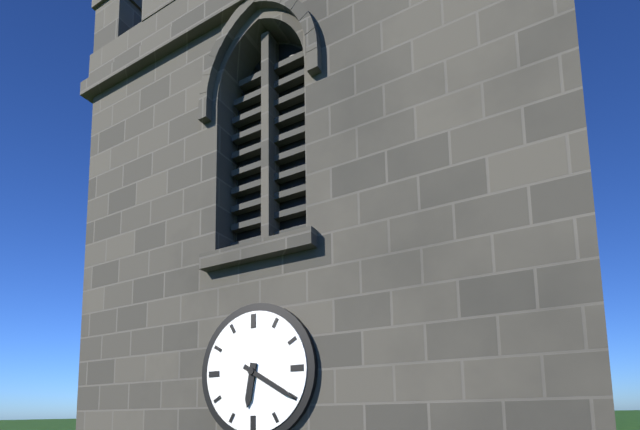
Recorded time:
6h20
